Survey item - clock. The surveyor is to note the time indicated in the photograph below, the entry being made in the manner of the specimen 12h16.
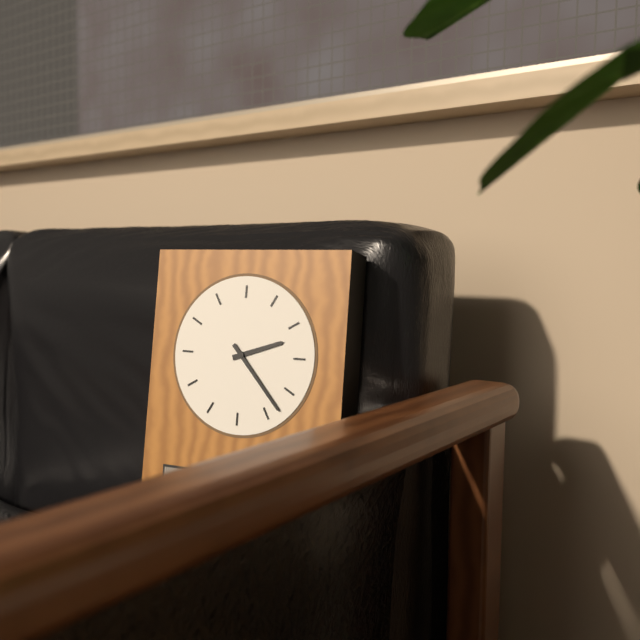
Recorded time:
2h23
